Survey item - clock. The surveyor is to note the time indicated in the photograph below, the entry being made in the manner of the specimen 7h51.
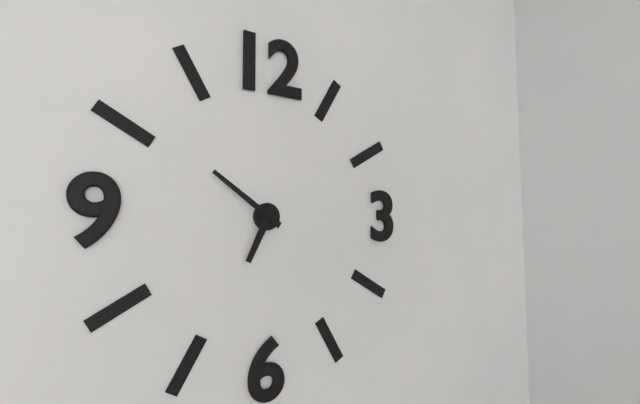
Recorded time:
6h51
